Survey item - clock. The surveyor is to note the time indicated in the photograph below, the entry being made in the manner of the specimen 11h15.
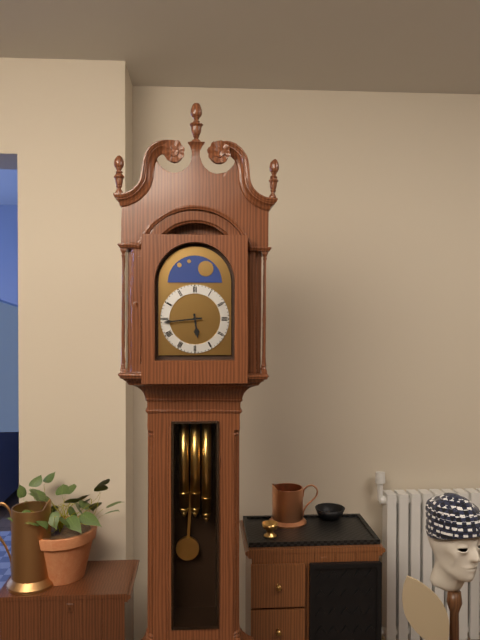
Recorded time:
5h44
